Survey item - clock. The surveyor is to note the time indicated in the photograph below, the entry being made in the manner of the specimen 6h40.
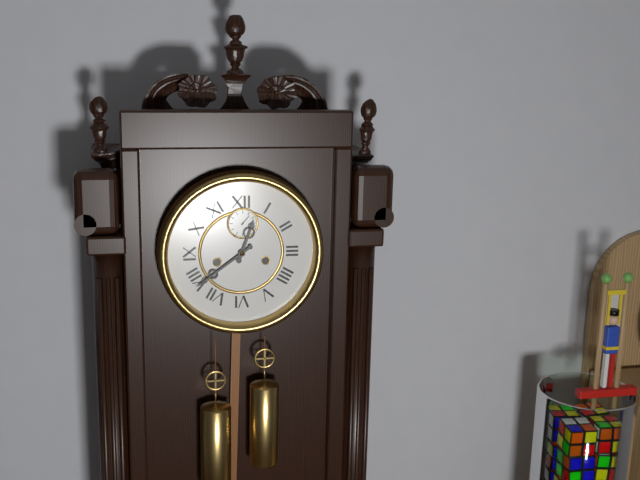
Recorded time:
12h39
